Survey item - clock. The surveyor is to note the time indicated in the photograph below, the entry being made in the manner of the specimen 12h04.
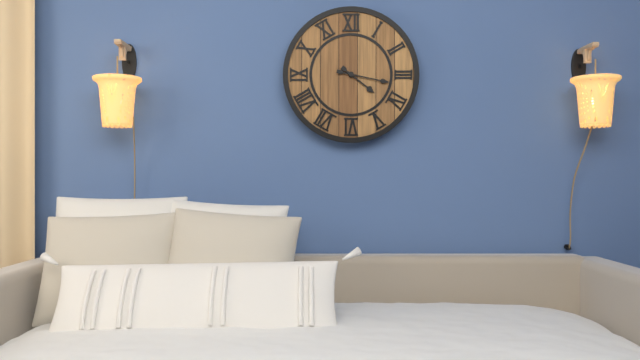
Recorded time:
4h17
